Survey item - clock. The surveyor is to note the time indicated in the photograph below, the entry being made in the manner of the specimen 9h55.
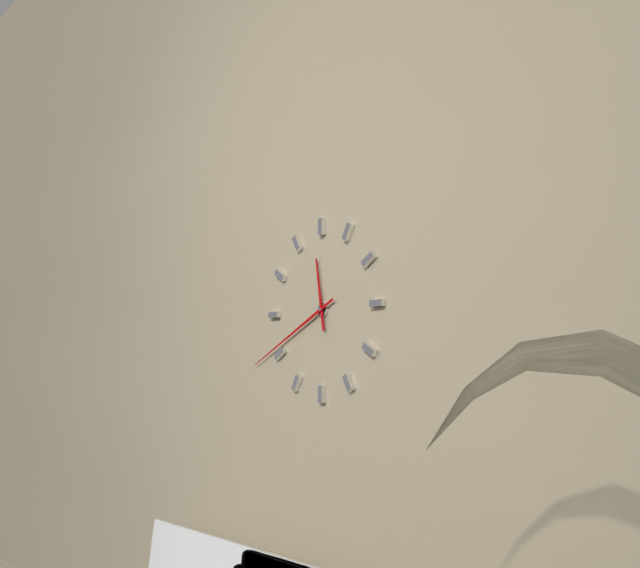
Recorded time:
11h41
